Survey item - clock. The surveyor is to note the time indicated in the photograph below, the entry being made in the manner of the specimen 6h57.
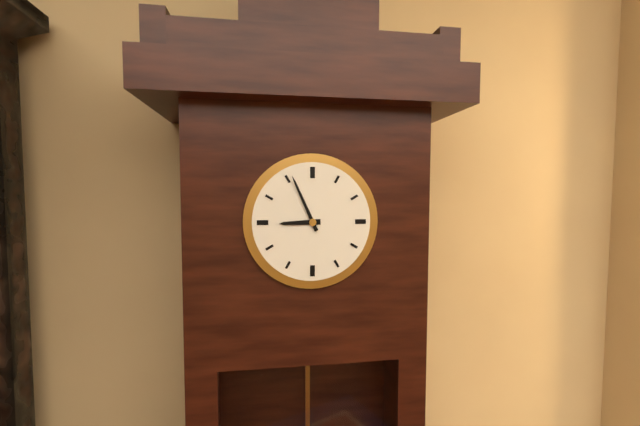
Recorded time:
8h56
